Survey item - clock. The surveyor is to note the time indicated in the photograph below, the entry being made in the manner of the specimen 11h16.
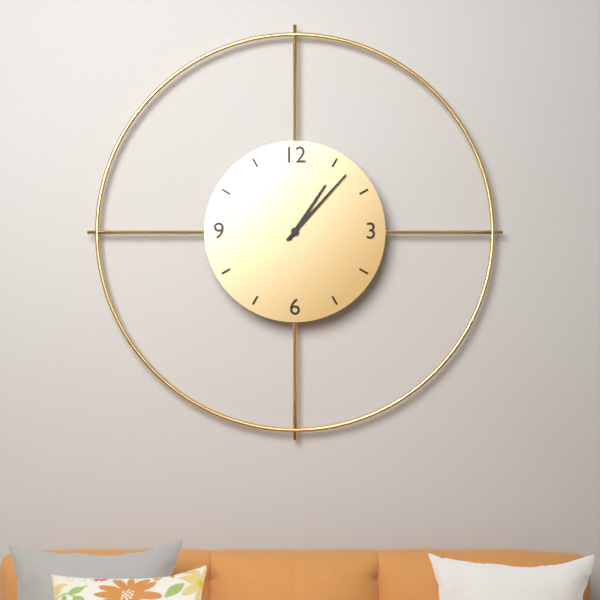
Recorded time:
1h07
